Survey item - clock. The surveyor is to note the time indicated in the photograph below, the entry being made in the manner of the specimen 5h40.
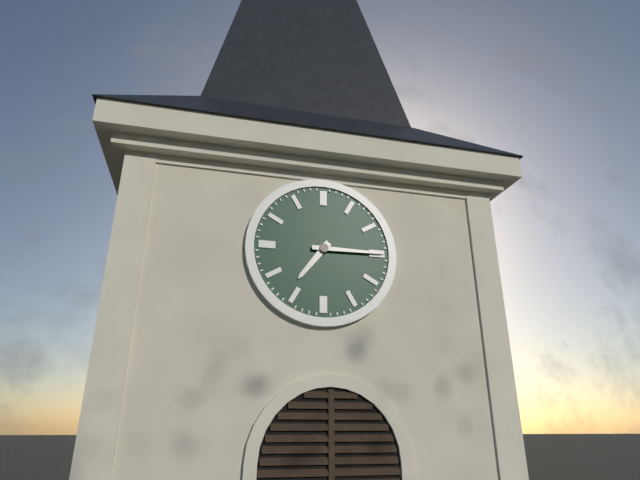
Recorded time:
7h15
